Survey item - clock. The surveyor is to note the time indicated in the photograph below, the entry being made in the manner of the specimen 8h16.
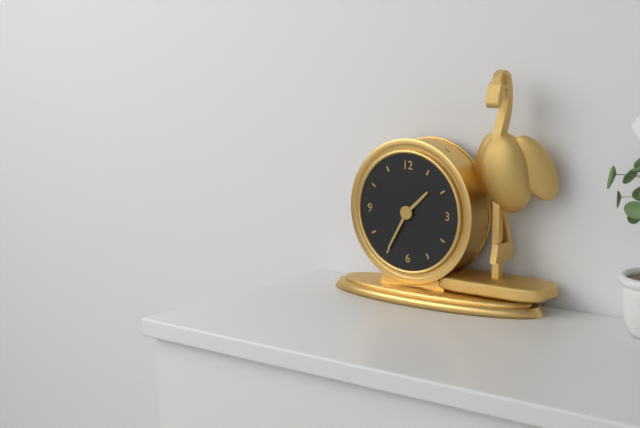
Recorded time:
1h35
